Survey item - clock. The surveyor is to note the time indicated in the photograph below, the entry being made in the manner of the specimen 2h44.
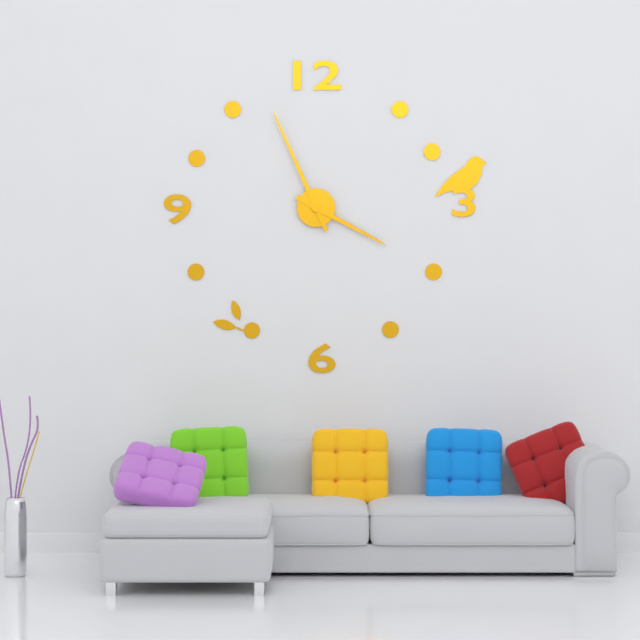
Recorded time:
3h56
